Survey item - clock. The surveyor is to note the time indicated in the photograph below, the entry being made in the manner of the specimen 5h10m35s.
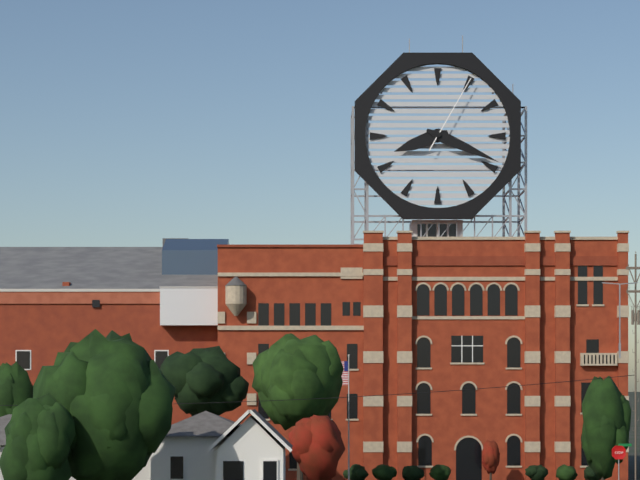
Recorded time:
8h19m05s
